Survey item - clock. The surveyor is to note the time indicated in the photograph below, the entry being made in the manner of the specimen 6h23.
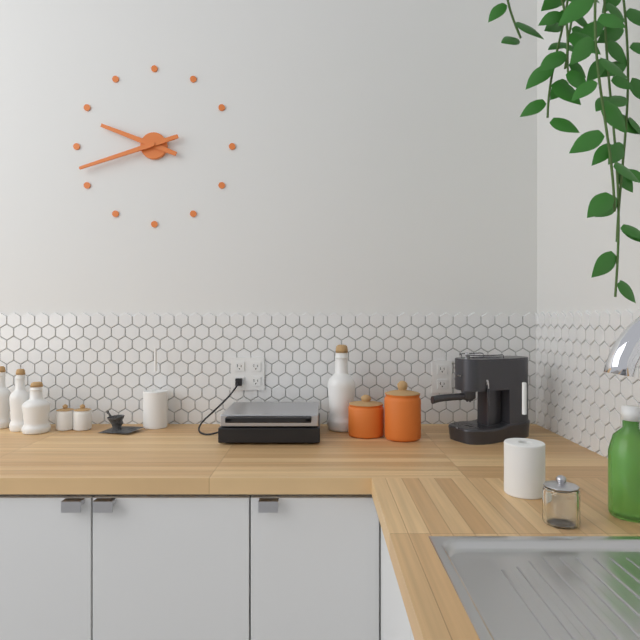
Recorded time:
9h42
